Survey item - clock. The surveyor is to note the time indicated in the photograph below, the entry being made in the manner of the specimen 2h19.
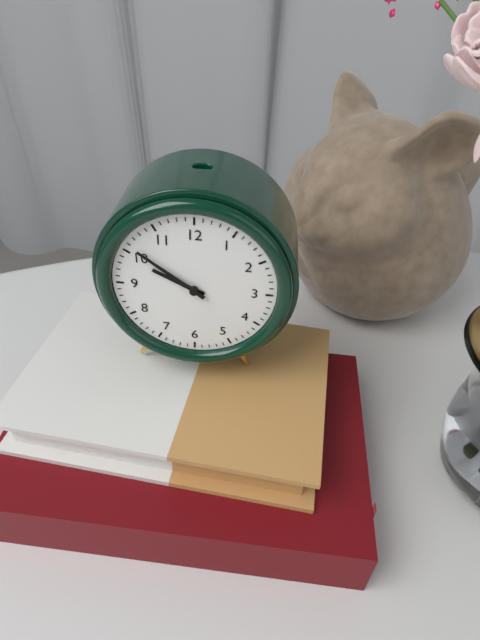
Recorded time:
9h51
